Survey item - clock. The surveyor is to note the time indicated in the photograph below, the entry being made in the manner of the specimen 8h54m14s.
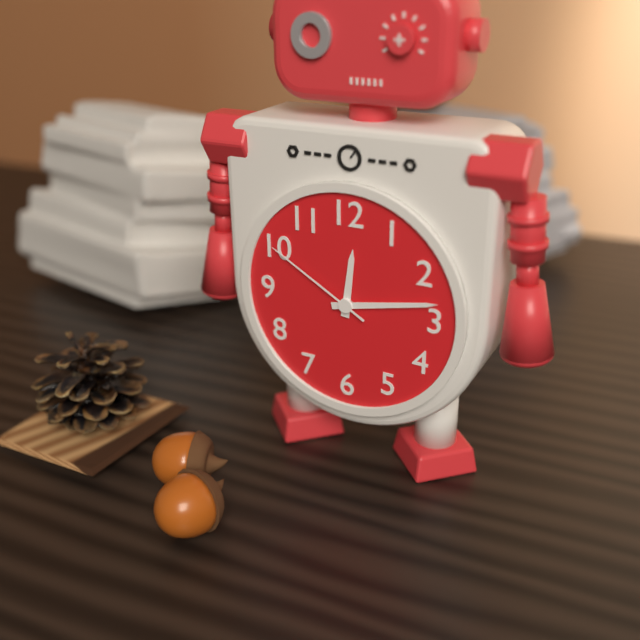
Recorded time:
12h13m50s
